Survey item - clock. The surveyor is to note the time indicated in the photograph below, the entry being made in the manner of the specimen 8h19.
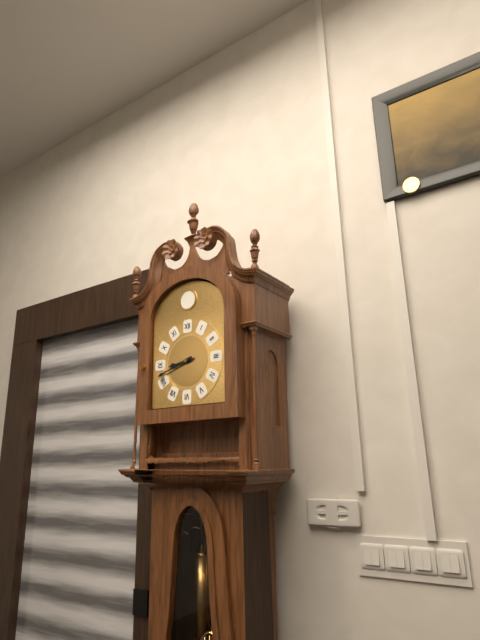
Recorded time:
8h42
